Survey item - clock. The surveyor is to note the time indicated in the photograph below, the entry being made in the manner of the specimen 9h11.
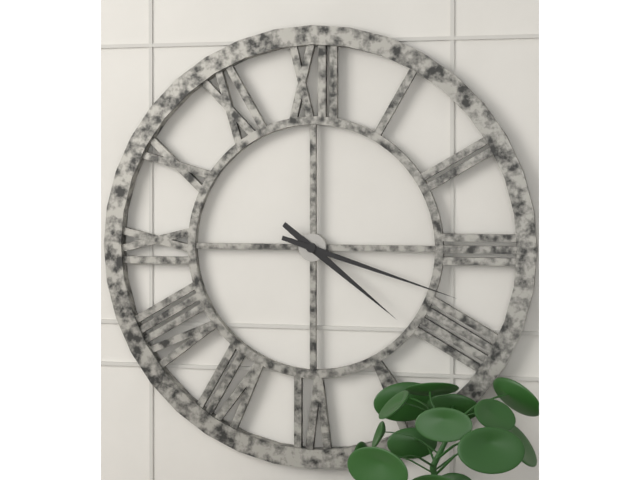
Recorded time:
4h18
